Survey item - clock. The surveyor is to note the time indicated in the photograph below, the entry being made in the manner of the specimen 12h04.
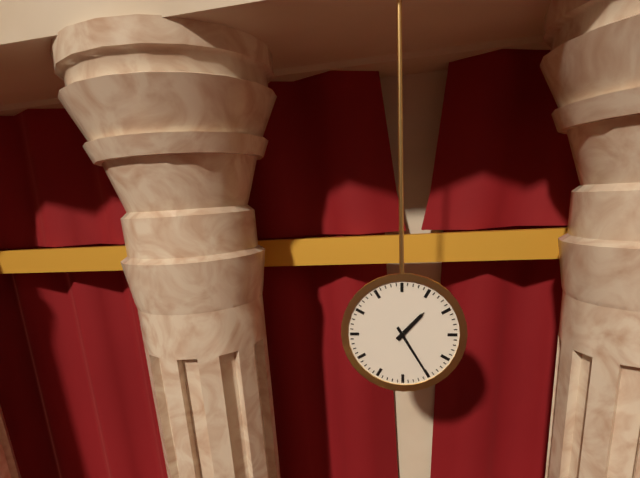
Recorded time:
1h25
